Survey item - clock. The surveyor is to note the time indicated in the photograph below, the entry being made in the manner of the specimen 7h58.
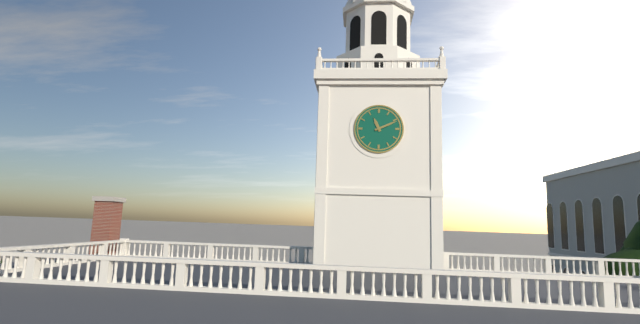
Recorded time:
11h11
